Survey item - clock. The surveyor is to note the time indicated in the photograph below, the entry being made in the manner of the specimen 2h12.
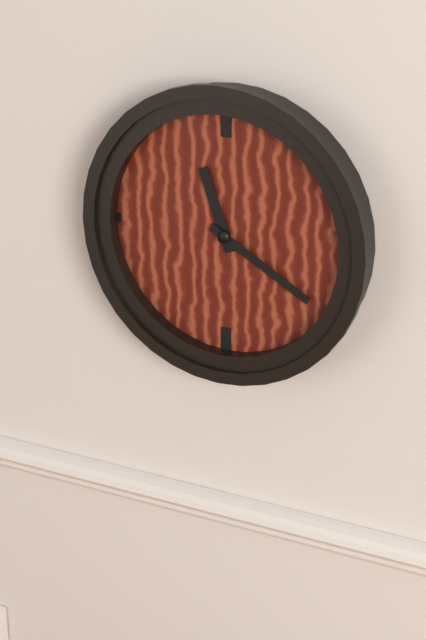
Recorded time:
11h20
